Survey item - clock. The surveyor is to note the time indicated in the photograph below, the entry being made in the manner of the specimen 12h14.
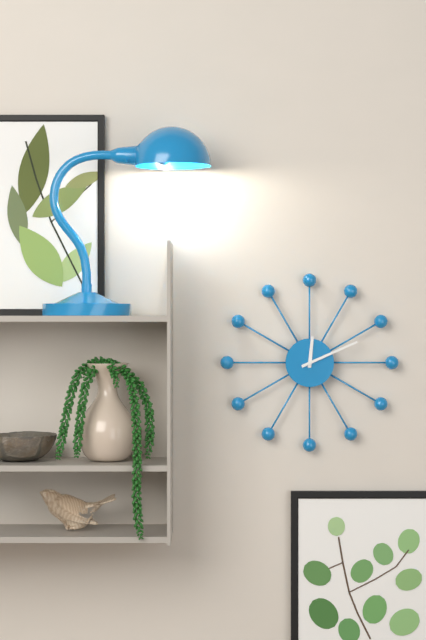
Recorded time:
12h11
